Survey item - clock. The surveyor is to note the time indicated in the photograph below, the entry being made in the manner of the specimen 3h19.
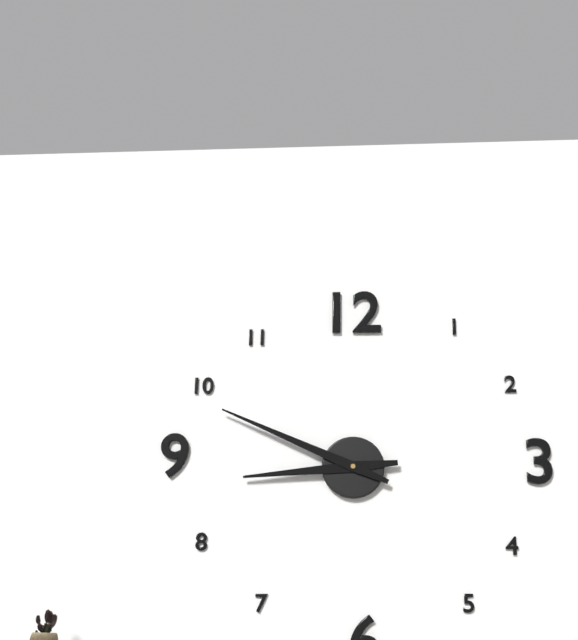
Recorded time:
8h49
